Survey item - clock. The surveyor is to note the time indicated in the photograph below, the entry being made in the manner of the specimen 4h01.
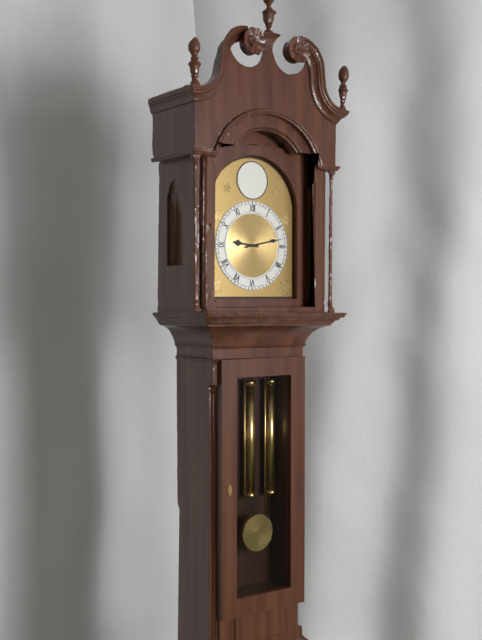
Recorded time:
9h13
